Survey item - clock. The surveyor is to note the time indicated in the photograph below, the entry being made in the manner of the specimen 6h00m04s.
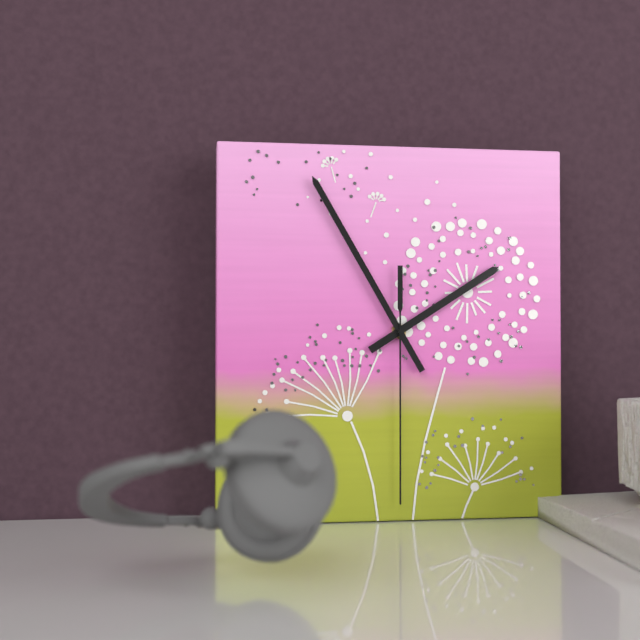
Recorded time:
1h55m30s
